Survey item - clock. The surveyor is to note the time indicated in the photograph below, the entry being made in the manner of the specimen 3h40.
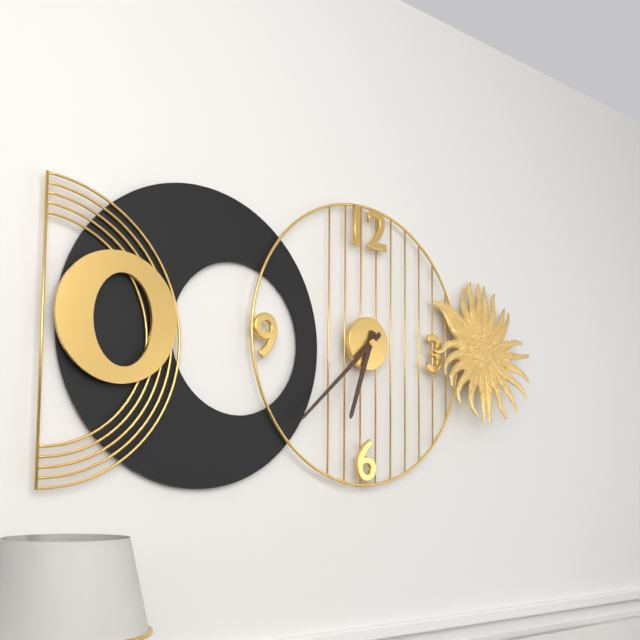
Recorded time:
6h38
